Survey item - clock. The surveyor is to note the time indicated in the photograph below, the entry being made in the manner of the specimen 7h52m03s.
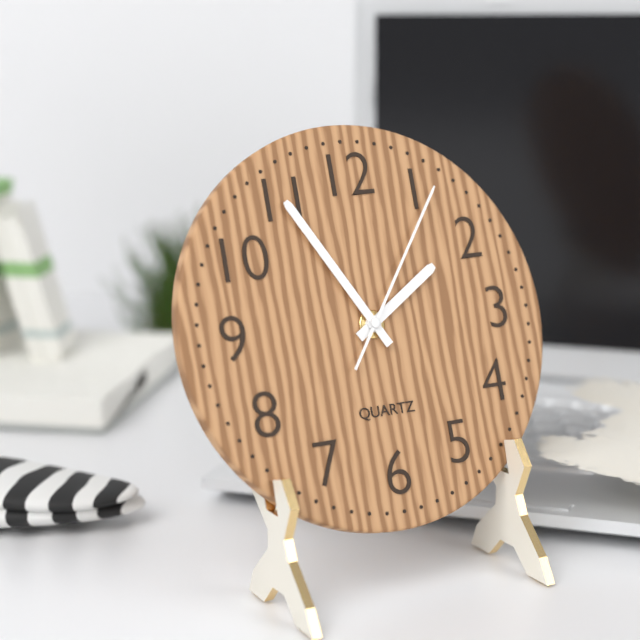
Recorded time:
1h55m06s
